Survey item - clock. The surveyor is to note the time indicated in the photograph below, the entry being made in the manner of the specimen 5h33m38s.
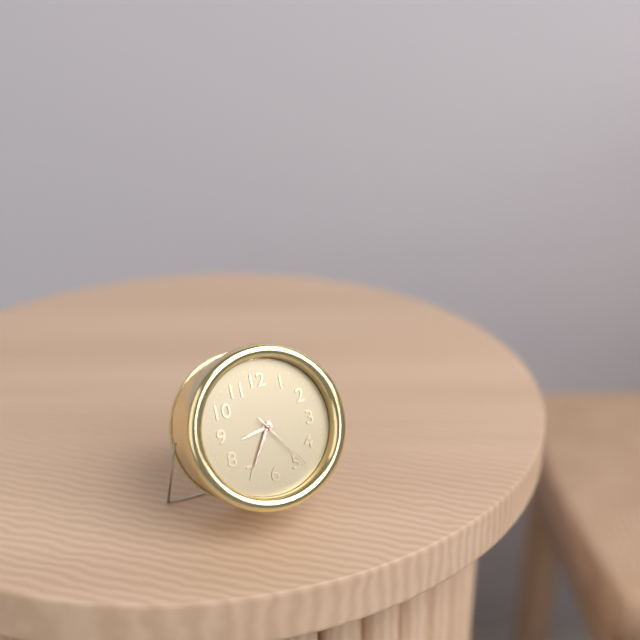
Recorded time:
8h35m24s
